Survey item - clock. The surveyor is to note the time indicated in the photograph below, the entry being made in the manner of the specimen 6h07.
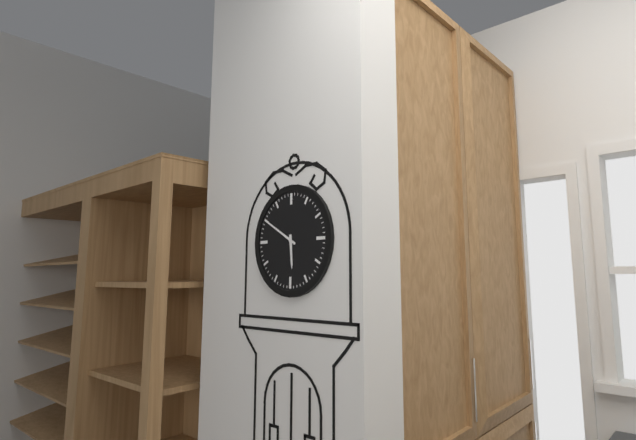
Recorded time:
5h50
